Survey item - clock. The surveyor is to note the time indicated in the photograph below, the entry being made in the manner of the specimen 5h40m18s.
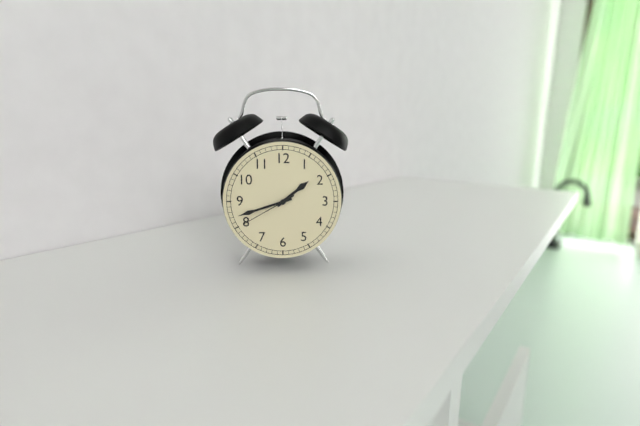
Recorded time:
1h42m40s
